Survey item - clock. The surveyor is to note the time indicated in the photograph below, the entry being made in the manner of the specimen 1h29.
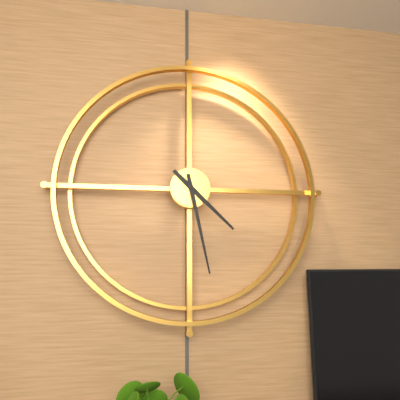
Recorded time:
4h28
